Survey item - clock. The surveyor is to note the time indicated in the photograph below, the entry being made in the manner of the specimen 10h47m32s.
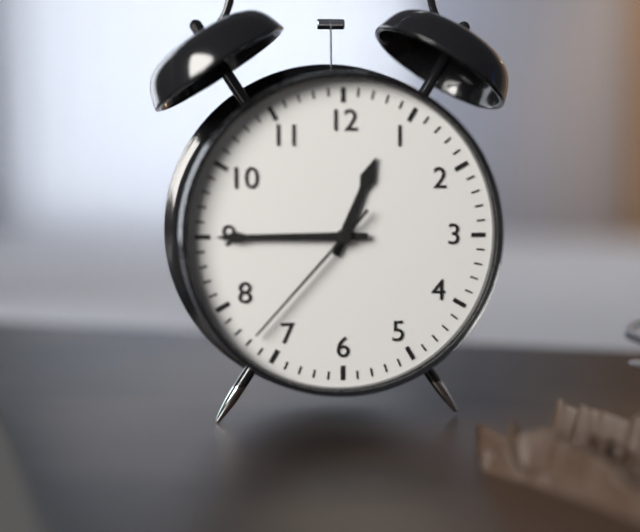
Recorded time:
12h45m37s
